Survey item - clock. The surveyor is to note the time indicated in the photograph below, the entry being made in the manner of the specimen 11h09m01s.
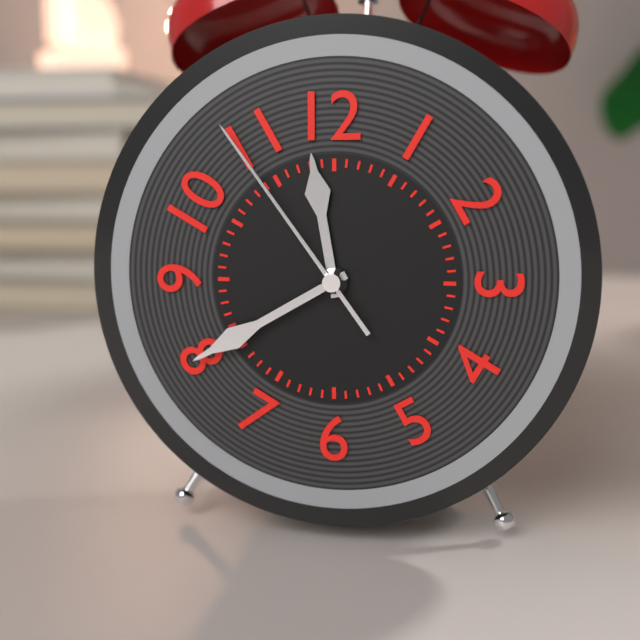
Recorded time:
11h40m54s
